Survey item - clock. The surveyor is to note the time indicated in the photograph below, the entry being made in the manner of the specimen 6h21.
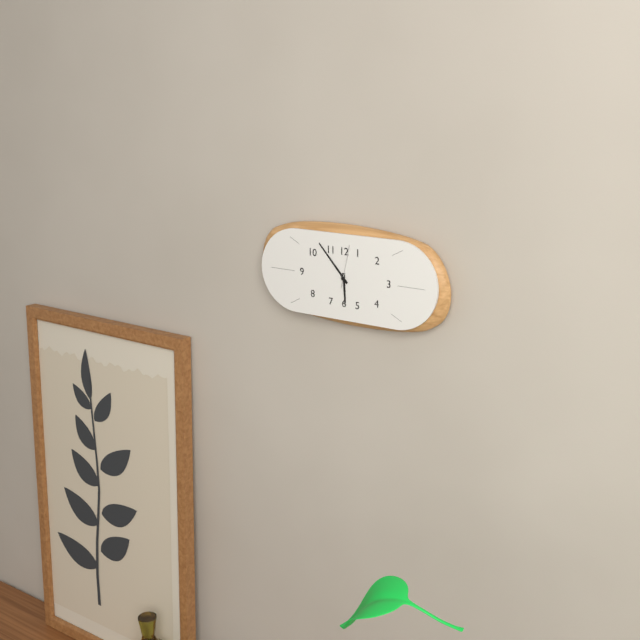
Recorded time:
5h53
